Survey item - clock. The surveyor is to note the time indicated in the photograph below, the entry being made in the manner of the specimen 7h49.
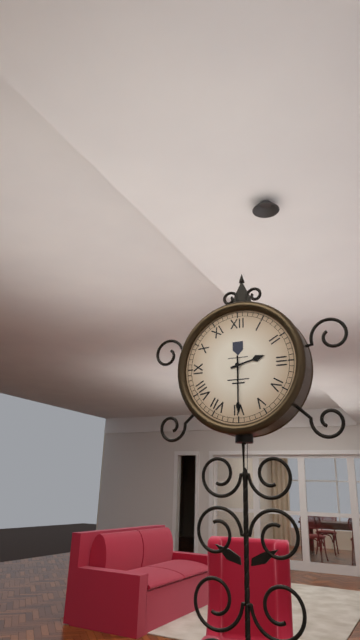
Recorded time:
2h30
